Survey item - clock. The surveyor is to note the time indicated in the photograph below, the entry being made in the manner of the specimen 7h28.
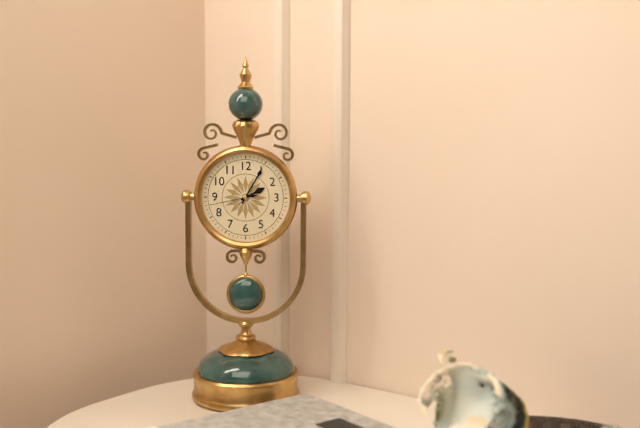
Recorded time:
2h05
